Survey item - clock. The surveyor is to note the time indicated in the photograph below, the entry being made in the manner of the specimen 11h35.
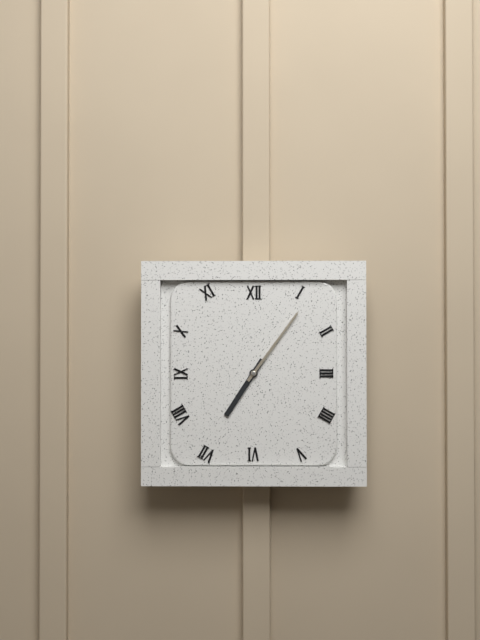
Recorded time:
7h06
